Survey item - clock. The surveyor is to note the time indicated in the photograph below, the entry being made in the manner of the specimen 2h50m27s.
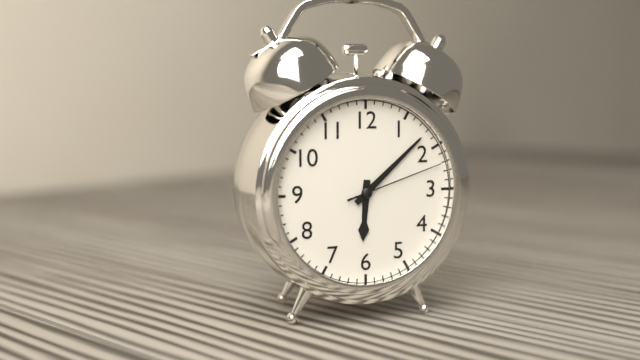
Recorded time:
6h08m12s
